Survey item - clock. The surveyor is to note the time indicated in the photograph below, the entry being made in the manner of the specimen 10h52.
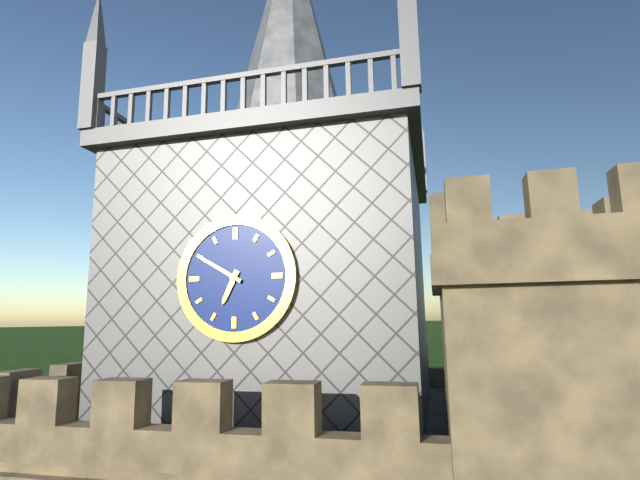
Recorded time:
6h50
